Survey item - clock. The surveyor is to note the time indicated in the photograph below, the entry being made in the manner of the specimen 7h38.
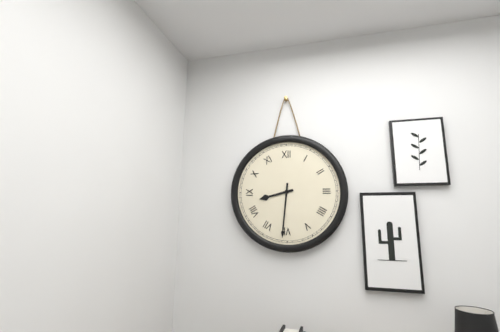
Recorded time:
8h31
